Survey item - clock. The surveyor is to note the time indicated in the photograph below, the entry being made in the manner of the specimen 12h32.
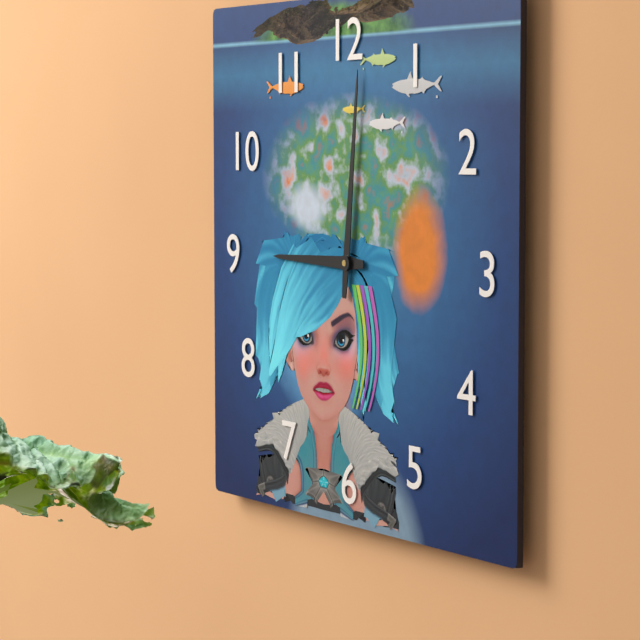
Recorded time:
9h01
